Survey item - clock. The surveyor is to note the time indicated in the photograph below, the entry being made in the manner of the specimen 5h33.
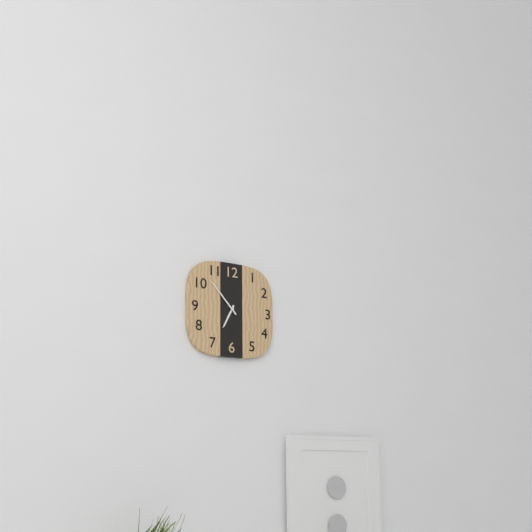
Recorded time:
6h53
